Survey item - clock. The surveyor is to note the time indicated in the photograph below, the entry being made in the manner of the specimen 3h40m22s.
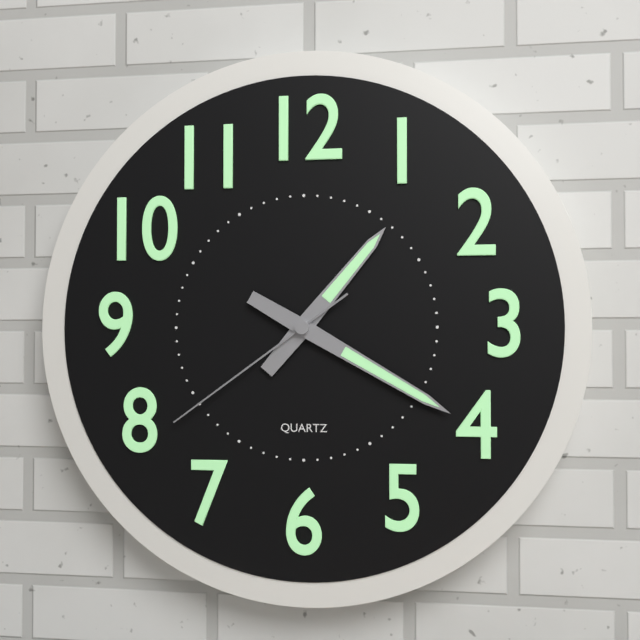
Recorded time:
1h20m39s
